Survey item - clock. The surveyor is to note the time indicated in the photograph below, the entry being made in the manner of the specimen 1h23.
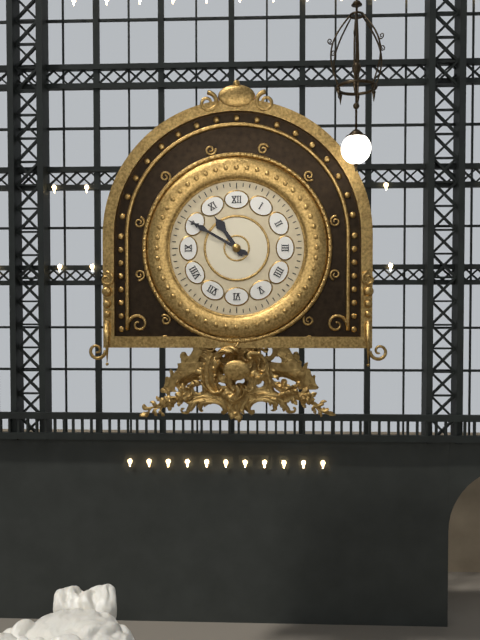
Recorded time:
10h50
